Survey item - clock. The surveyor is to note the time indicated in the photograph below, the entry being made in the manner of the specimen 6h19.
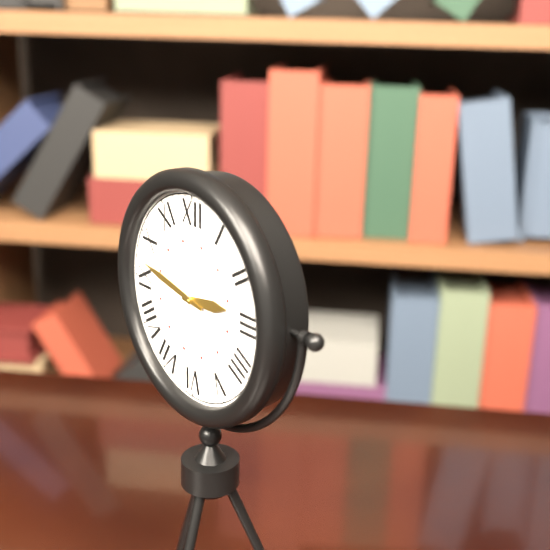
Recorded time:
2h47
